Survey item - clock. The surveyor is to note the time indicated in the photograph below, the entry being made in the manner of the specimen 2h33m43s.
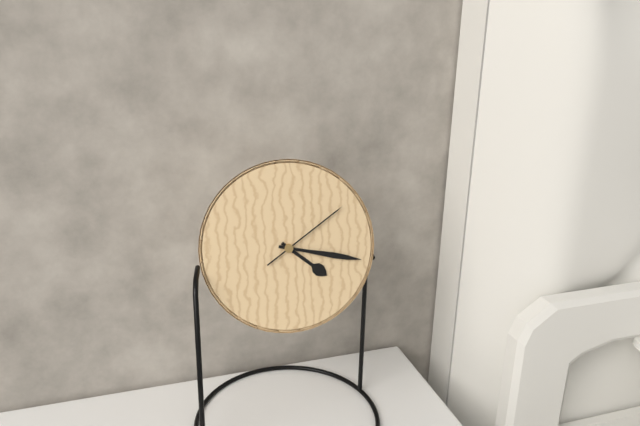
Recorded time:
4h17m09s
